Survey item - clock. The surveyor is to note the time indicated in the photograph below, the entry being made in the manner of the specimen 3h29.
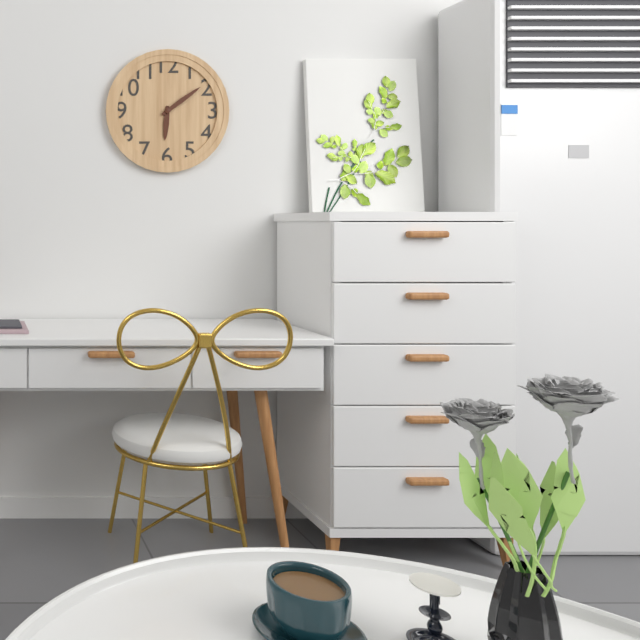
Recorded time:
6h09
